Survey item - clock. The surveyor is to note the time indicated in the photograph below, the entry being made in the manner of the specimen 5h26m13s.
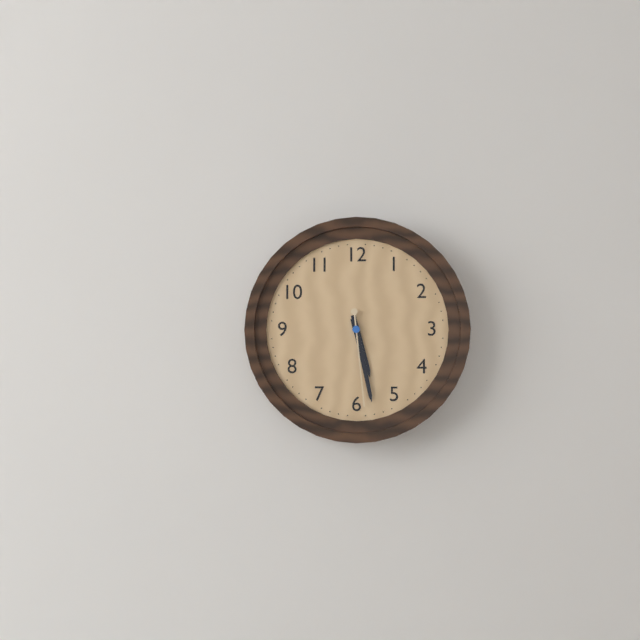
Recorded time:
5h28m29s
